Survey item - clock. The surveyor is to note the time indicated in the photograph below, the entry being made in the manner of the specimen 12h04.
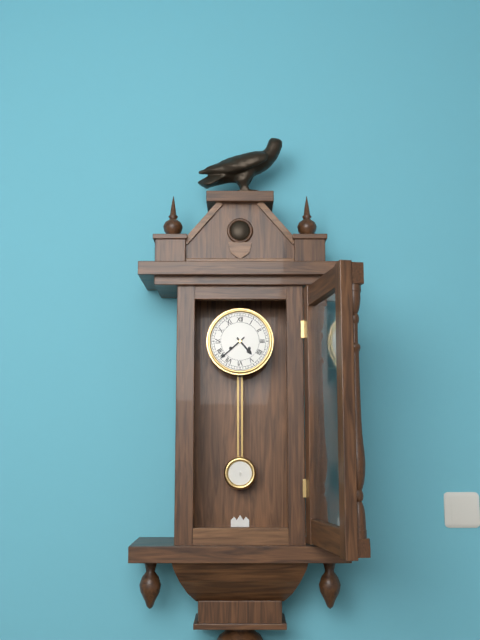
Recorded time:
4h38
